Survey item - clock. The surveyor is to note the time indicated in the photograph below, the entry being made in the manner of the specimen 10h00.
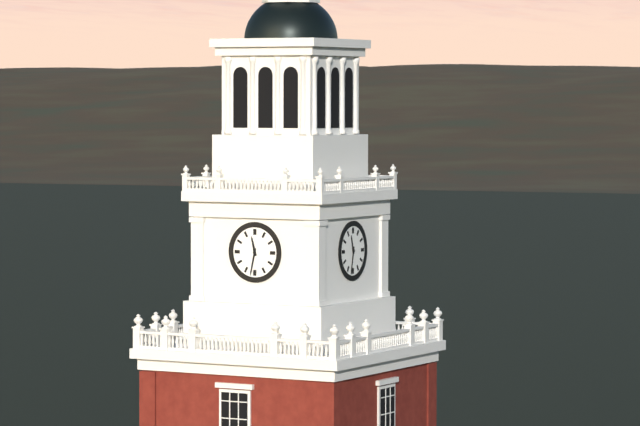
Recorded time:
11h32
